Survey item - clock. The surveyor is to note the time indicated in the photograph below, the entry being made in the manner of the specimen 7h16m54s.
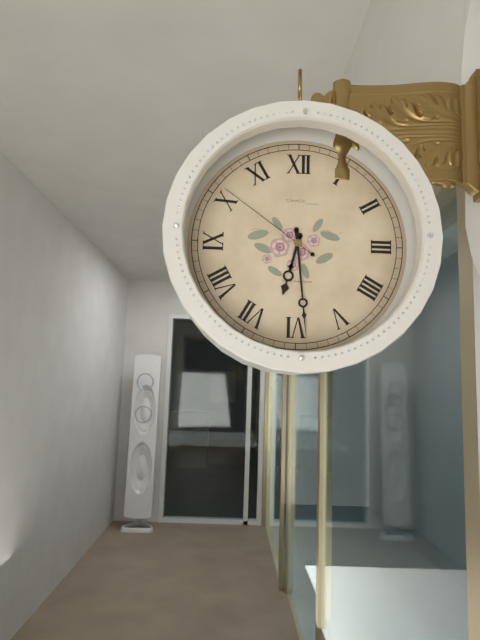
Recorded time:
6h29m51s
